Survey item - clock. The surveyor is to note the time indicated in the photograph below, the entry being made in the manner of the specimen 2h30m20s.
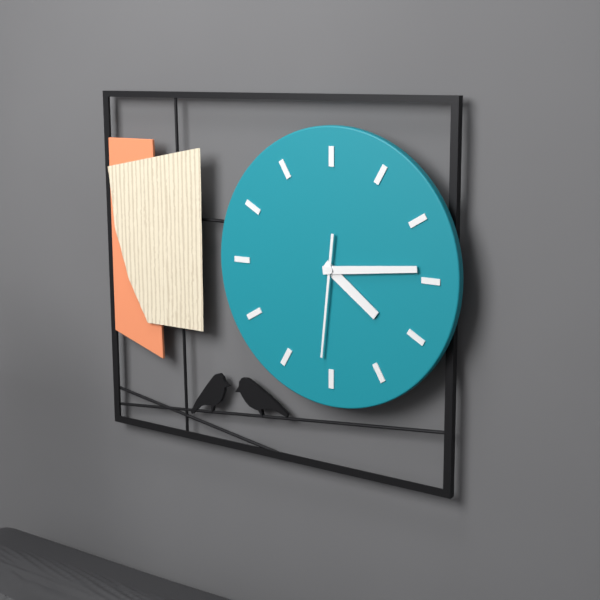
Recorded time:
4h14m31s
